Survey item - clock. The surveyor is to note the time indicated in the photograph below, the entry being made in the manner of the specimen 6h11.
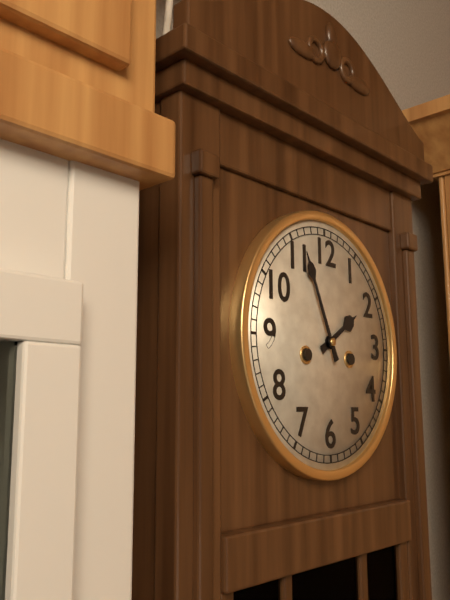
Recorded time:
1h56
